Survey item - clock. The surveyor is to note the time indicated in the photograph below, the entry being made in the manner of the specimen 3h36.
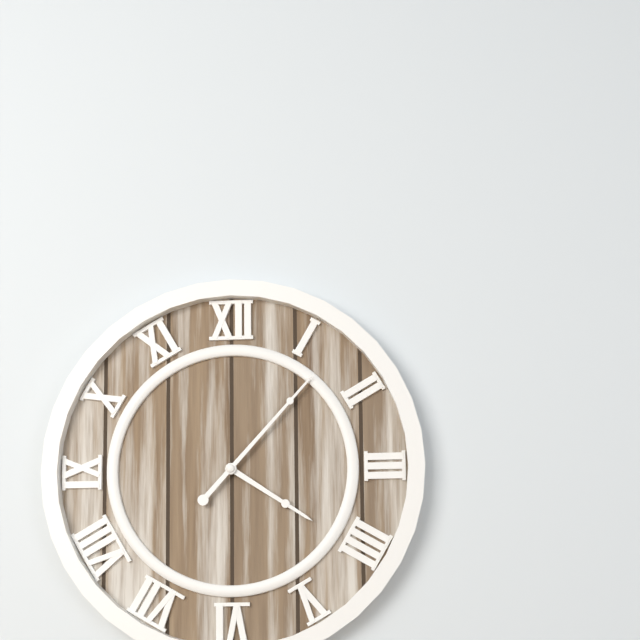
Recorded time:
4h07
